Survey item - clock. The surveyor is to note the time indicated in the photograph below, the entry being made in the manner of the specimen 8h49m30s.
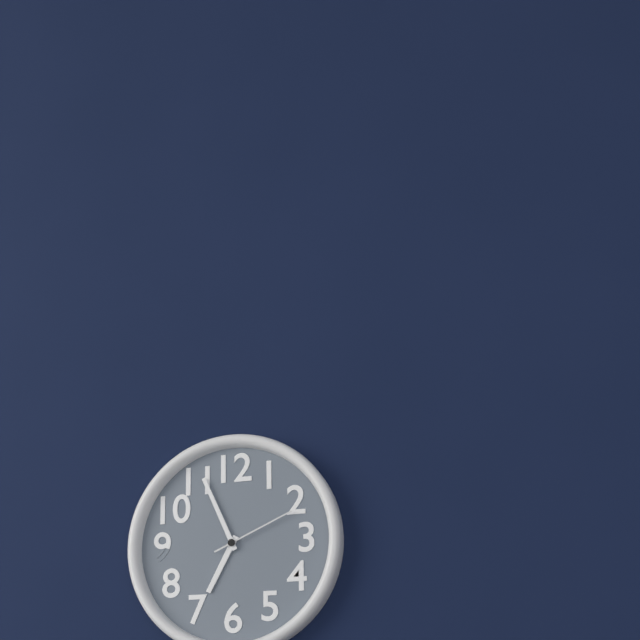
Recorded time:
6h56m11s
